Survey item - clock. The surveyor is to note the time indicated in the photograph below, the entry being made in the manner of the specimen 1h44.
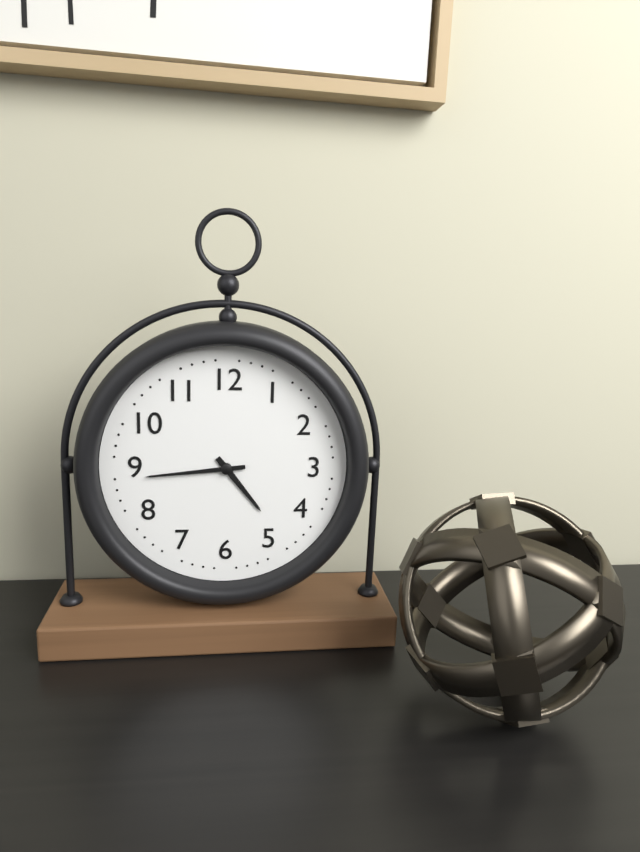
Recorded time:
4h44
